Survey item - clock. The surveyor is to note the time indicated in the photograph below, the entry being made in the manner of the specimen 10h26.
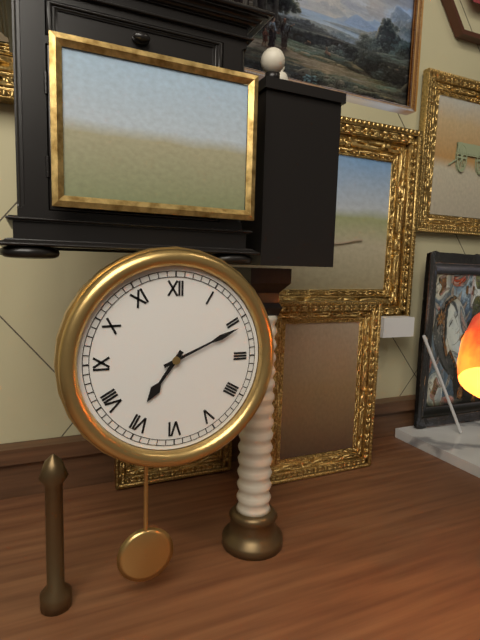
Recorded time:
7h11
